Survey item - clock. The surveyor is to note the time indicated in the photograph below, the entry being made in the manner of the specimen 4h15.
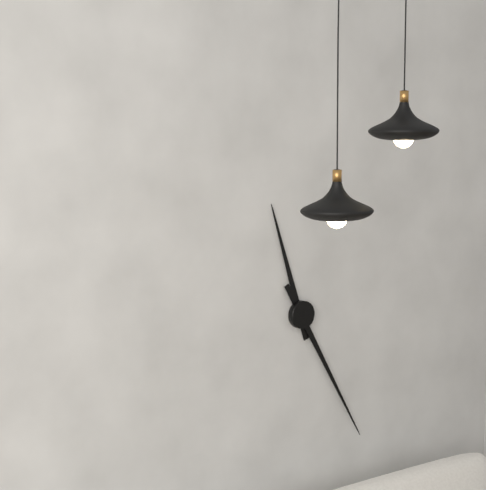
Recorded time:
11h25
